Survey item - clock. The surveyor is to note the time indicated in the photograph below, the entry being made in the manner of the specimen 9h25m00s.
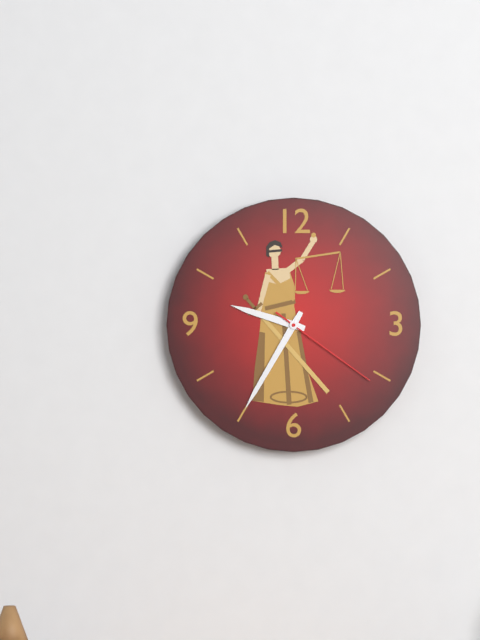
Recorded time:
9h35m21s
